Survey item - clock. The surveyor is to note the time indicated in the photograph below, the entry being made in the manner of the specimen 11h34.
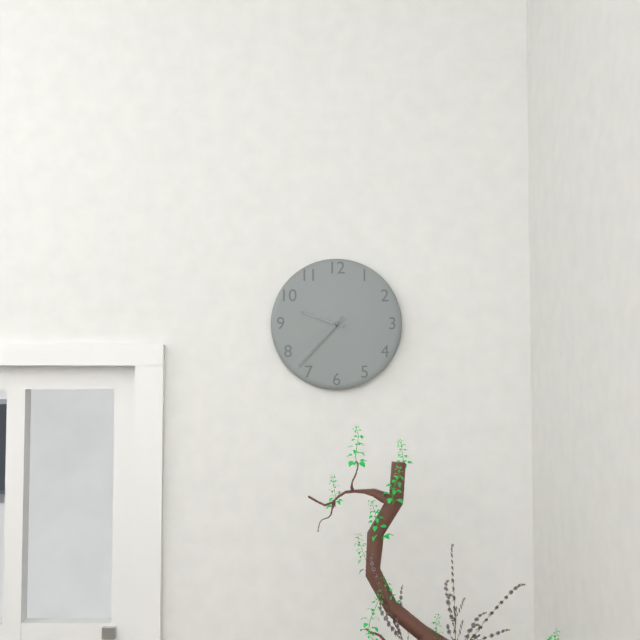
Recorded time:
9h37
